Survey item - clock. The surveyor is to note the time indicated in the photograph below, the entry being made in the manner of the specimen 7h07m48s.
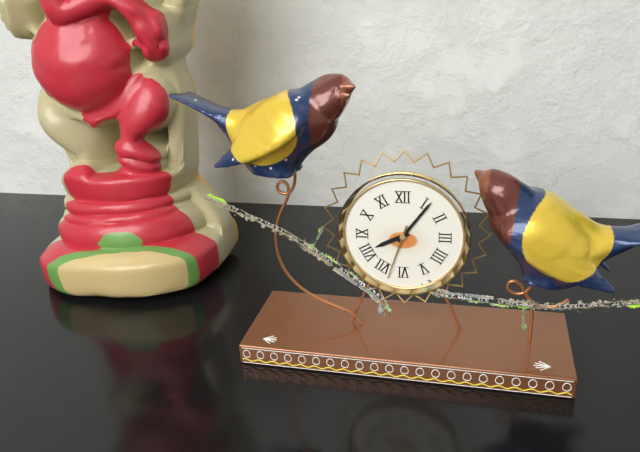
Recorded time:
8h06m33s
